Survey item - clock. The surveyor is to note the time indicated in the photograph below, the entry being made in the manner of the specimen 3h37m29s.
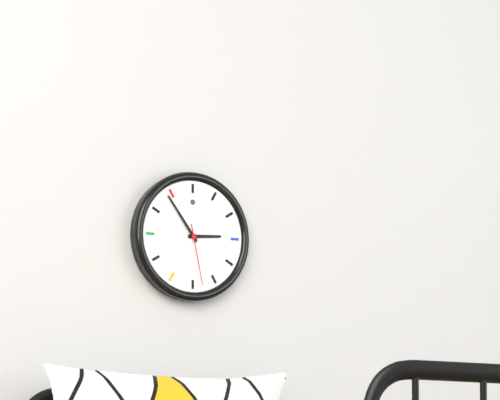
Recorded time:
2h54m28s
